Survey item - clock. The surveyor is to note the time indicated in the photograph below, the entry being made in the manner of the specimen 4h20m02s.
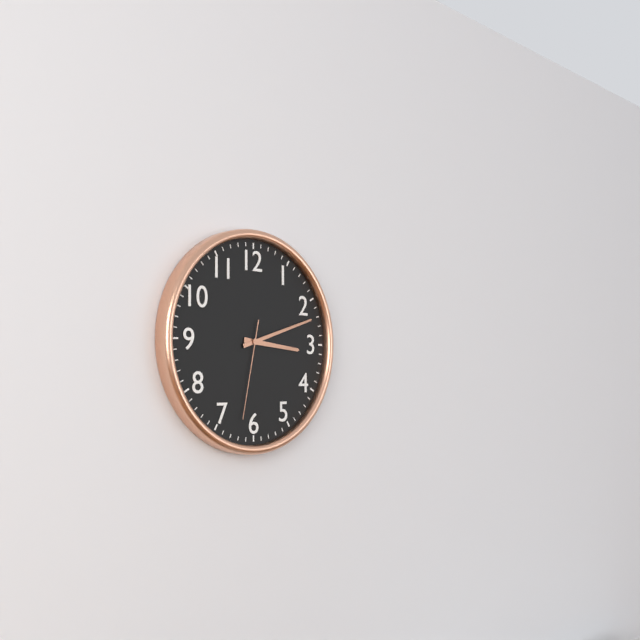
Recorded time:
3h12m32s
